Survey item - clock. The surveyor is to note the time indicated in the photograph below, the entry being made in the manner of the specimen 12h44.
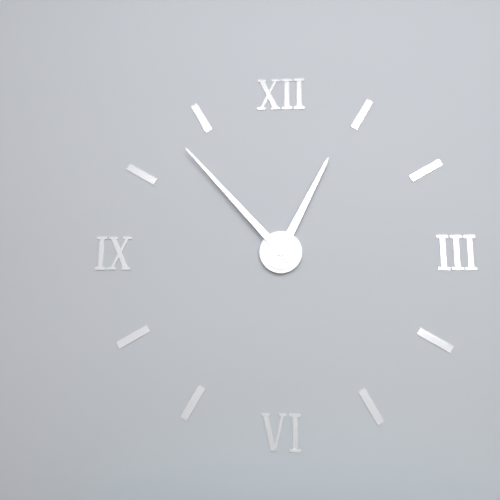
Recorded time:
12h53
